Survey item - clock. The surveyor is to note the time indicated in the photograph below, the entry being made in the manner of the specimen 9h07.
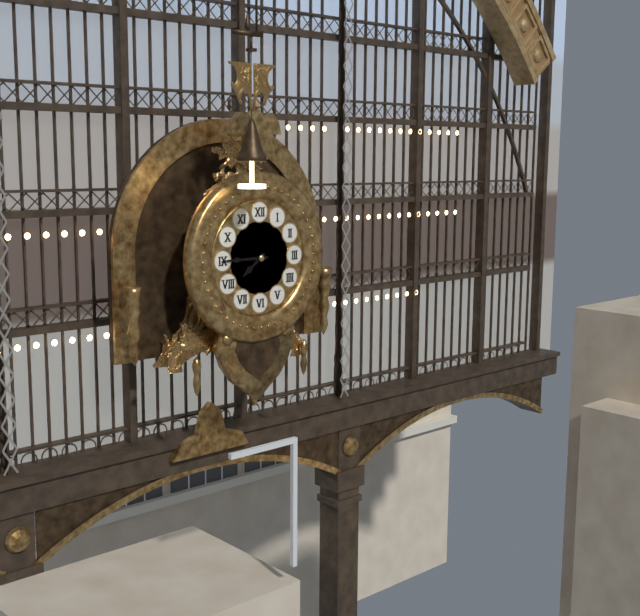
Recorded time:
7h45
